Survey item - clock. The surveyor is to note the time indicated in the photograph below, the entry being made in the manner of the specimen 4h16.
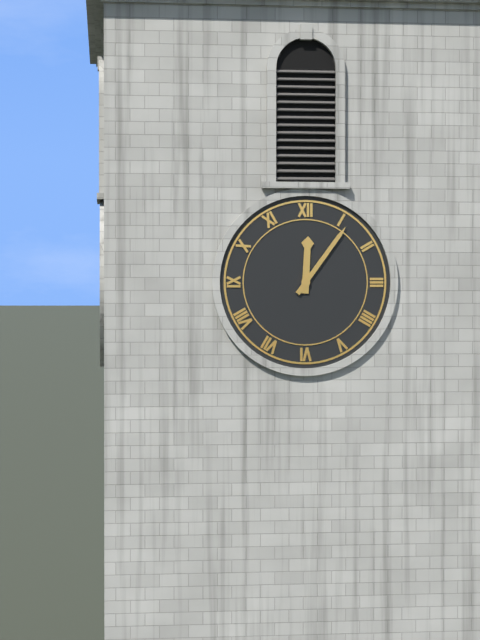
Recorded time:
12h06
